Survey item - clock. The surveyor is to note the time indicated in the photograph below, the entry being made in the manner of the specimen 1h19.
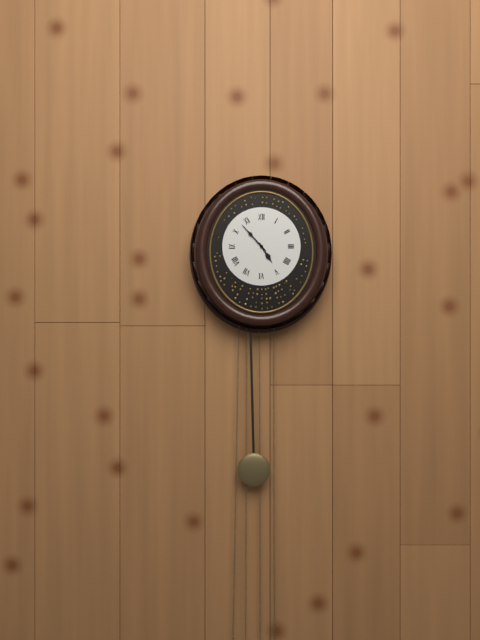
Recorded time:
4h53
